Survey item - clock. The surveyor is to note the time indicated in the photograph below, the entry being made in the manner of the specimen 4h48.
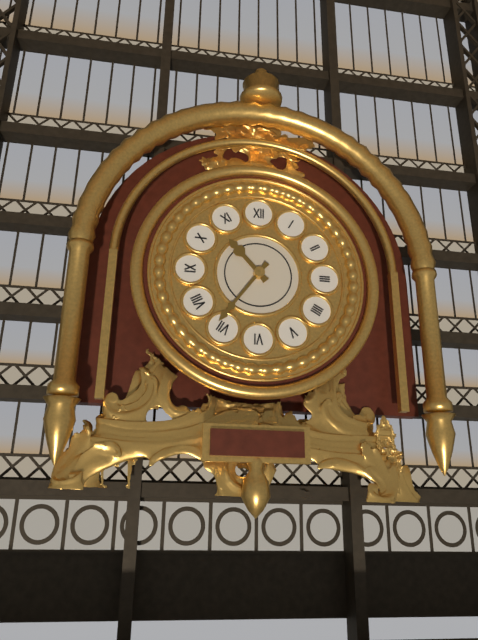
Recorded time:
10h36
